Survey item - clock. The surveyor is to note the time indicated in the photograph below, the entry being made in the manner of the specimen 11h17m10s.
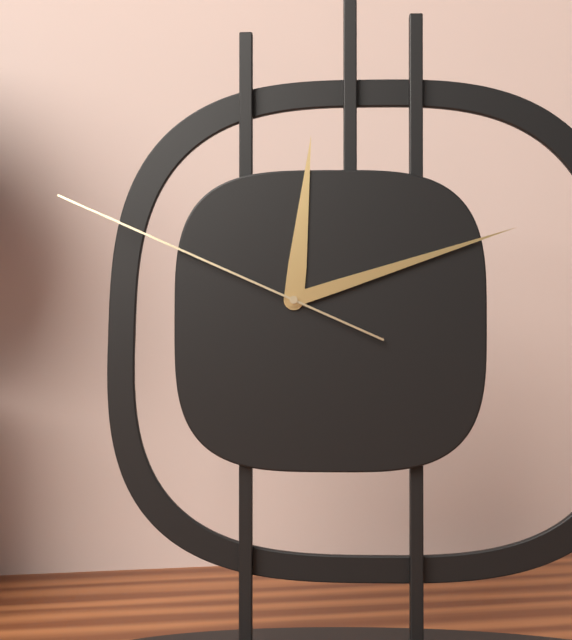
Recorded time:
12h12m49s
